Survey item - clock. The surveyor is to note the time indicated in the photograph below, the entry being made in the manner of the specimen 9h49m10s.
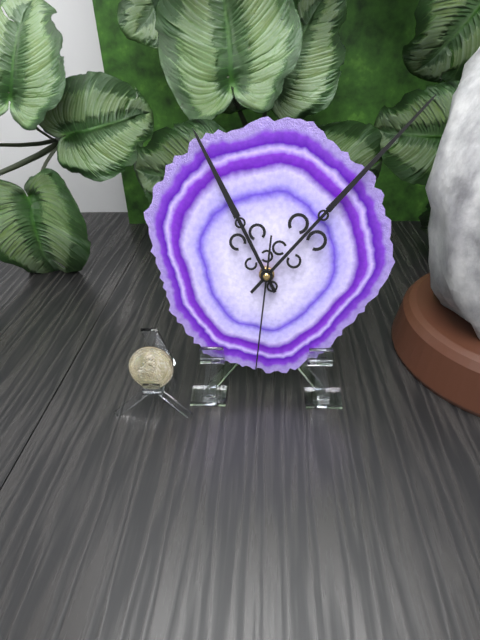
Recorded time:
11h07m31s
